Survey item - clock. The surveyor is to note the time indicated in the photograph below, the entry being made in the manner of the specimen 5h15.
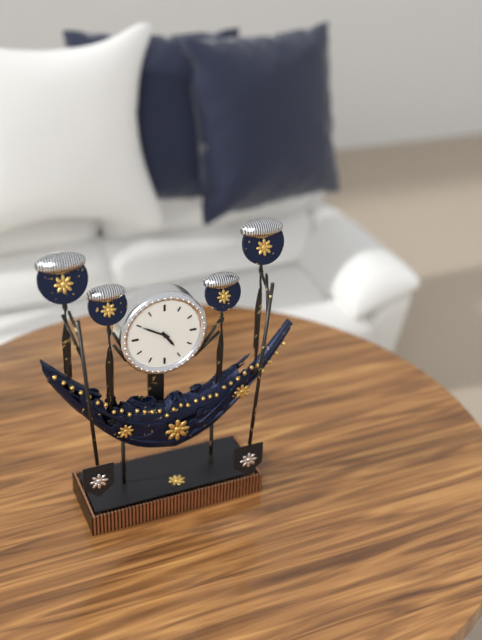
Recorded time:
4h50
